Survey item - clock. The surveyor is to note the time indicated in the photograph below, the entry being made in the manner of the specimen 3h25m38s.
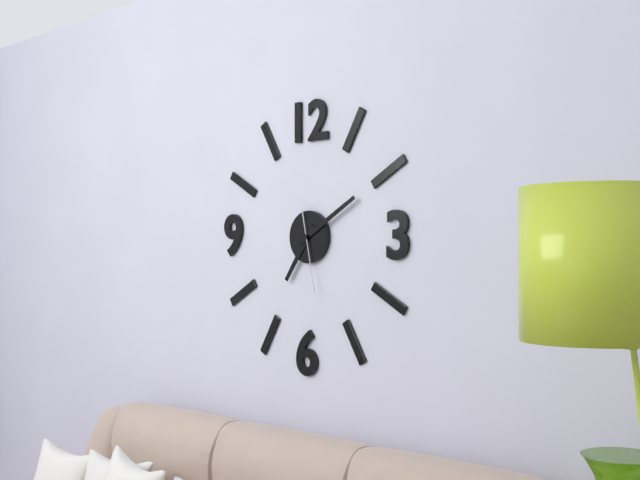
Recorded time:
7h10m28s
